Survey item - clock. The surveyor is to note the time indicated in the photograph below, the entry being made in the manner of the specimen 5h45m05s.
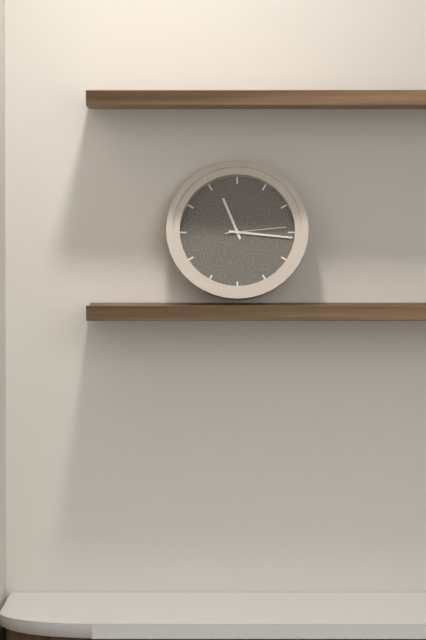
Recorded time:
11h16m14s
